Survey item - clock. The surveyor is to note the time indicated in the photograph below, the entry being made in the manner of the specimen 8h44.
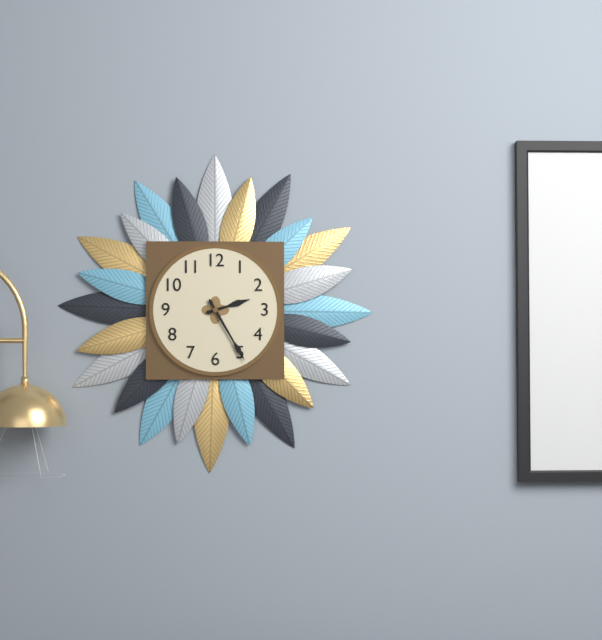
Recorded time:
2h25
